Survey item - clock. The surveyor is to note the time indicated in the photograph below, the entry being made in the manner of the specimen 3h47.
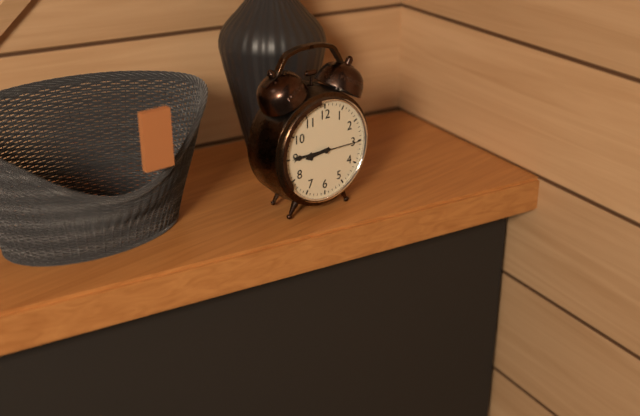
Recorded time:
8h45
